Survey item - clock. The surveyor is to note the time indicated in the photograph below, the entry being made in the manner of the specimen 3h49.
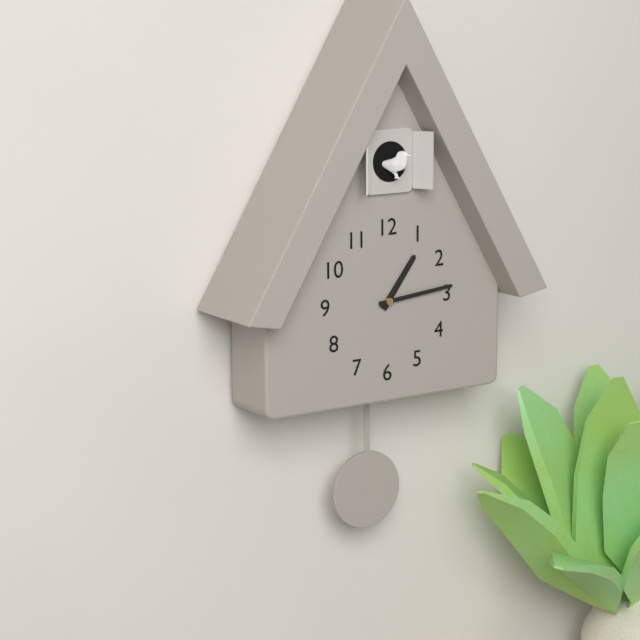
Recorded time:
1h14
